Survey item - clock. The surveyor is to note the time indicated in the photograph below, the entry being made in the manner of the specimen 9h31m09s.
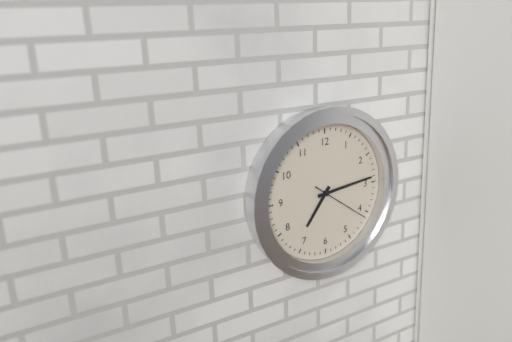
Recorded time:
7h14m21s
